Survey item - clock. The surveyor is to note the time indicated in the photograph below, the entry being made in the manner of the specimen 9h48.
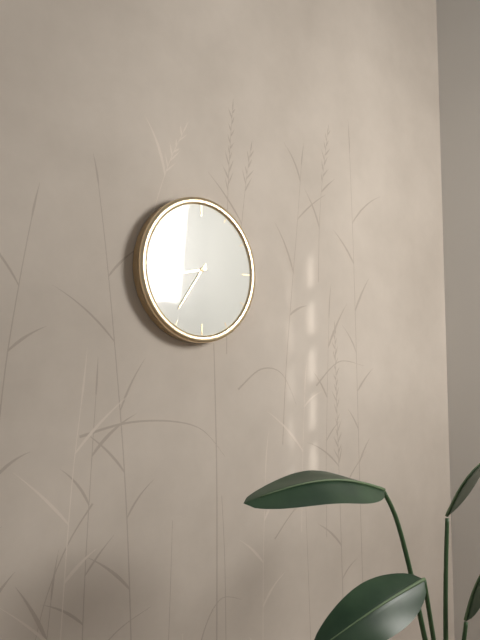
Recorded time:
8h36
